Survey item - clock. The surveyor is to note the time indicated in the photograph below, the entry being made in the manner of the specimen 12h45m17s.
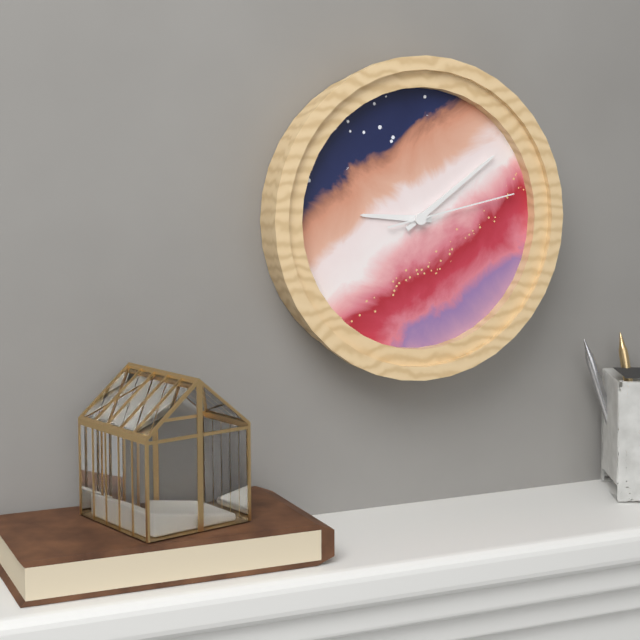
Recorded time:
9h09m13s
